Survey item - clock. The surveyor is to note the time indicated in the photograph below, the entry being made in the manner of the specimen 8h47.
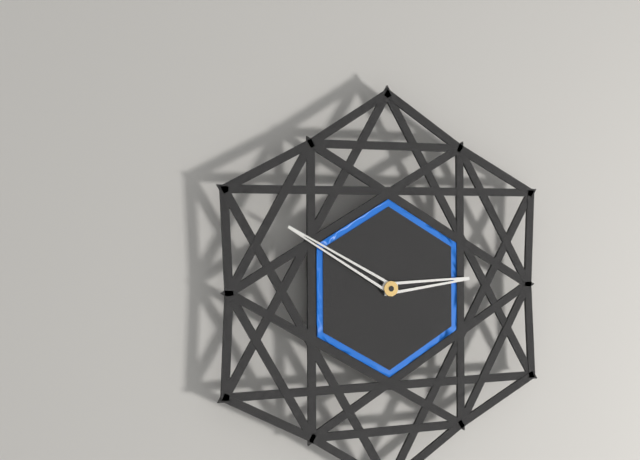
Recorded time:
2h50
